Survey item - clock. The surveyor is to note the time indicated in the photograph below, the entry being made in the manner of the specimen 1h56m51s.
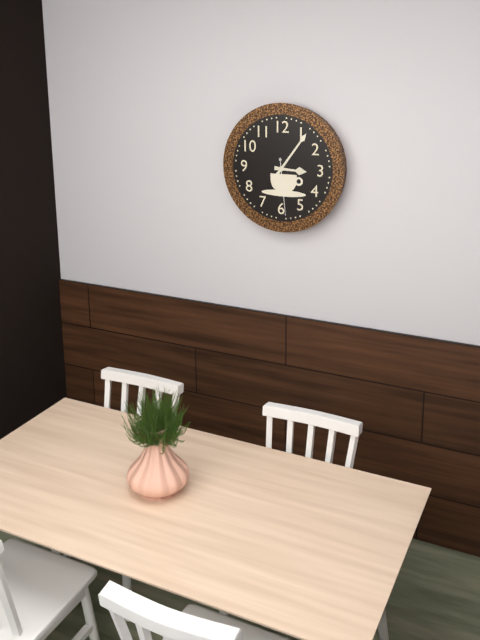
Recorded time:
3h06m29s
